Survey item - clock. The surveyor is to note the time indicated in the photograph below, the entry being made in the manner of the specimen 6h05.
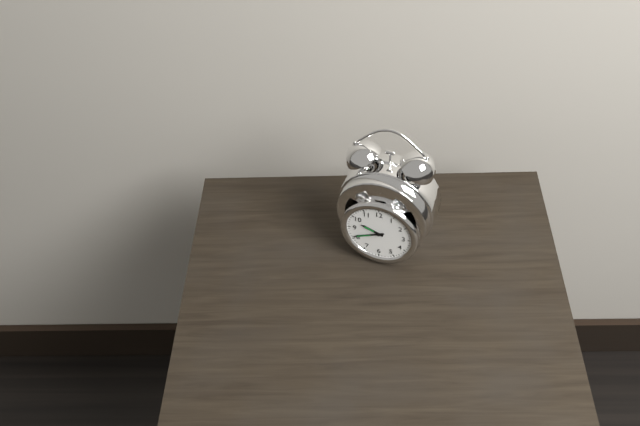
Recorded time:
9h41
